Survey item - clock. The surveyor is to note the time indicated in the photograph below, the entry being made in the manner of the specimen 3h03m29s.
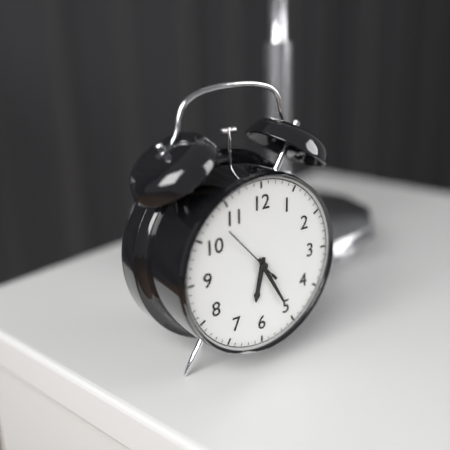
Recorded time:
6h25m53s
